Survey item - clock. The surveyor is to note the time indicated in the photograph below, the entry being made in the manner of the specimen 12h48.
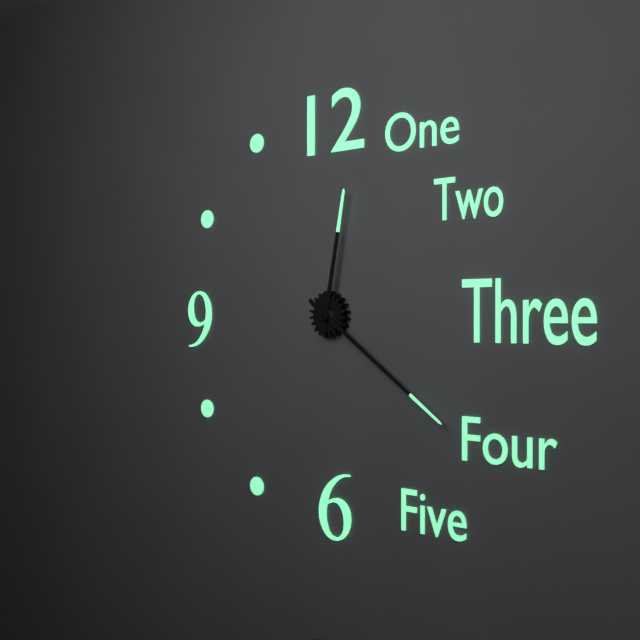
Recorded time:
12h21
